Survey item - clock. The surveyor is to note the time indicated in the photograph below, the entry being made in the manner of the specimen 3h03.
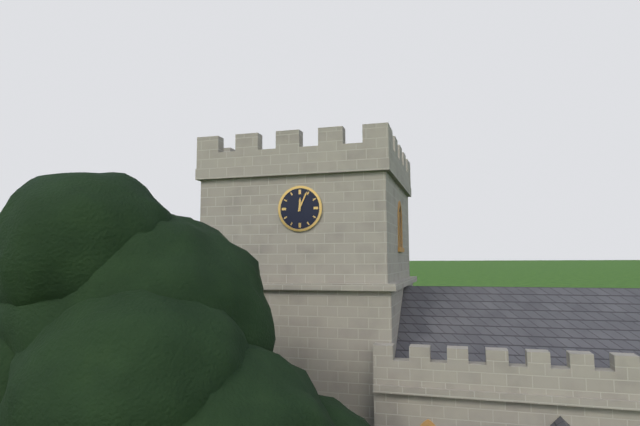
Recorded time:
12h04
